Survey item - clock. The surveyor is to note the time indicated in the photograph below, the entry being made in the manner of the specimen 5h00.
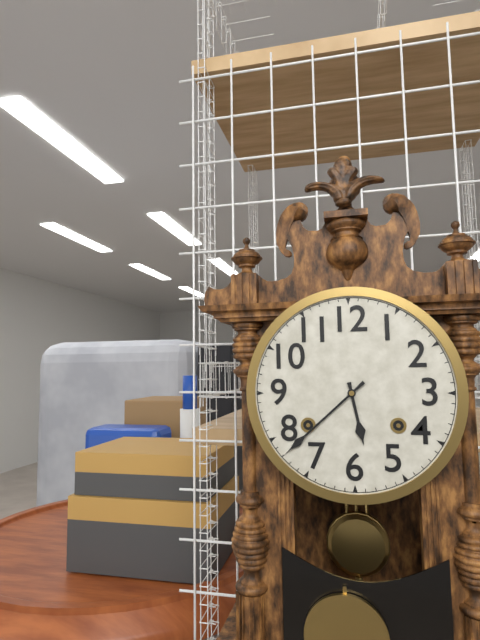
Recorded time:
5h38
